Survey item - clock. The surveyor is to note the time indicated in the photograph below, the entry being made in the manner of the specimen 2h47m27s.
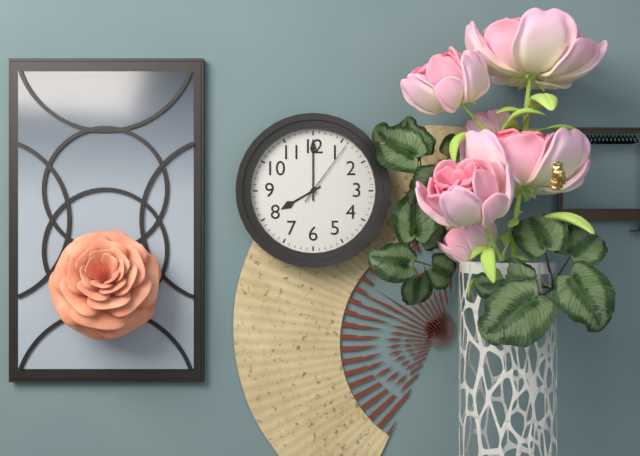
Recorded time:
8h00m06s
